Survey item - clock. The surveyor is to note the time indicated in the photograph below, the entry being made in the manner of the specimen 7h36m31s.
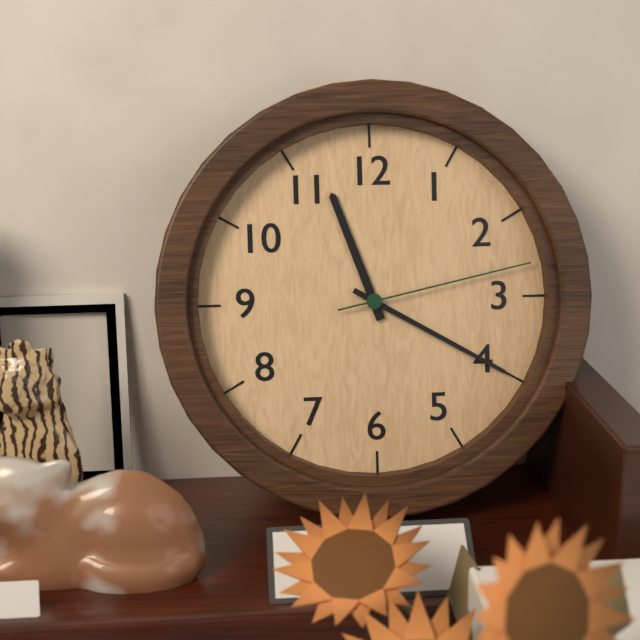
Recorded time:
11h20m13s
